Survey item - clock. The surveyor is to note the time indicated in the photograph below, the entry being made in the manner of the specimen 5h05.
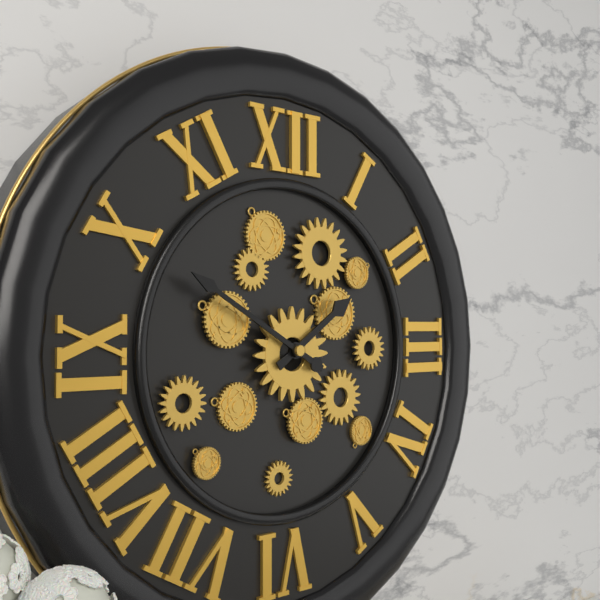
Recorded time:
1h50
